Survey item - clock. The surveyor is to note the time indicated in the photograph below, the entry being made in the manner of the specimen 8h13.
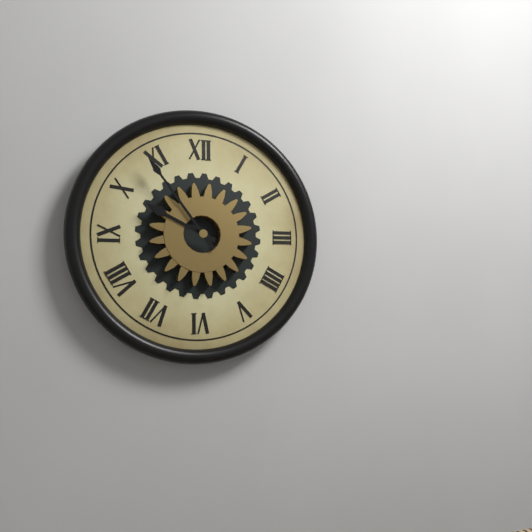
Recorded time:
9h54
